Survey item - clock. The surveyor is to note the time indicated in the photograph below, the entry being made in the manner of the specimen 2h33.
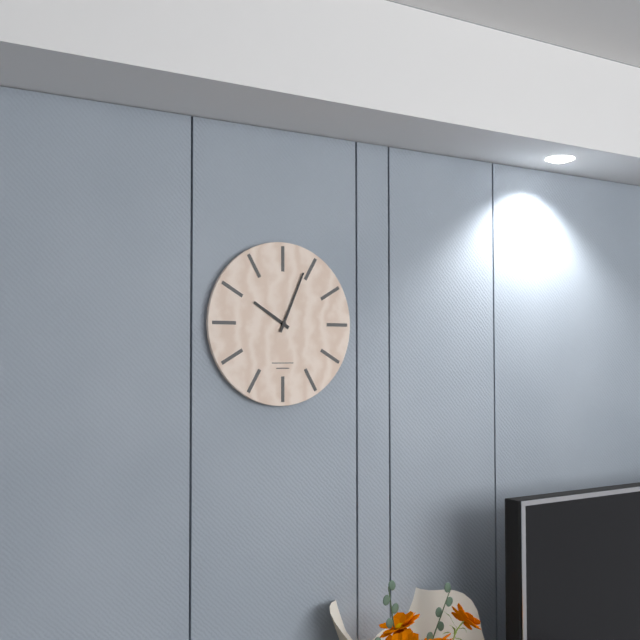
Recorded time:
10h04
